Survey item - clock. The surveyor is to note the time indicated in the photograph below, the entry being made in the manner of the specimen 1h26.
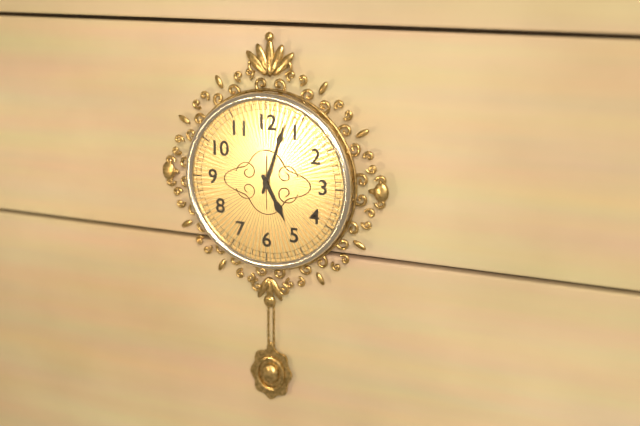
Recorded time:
5h03
